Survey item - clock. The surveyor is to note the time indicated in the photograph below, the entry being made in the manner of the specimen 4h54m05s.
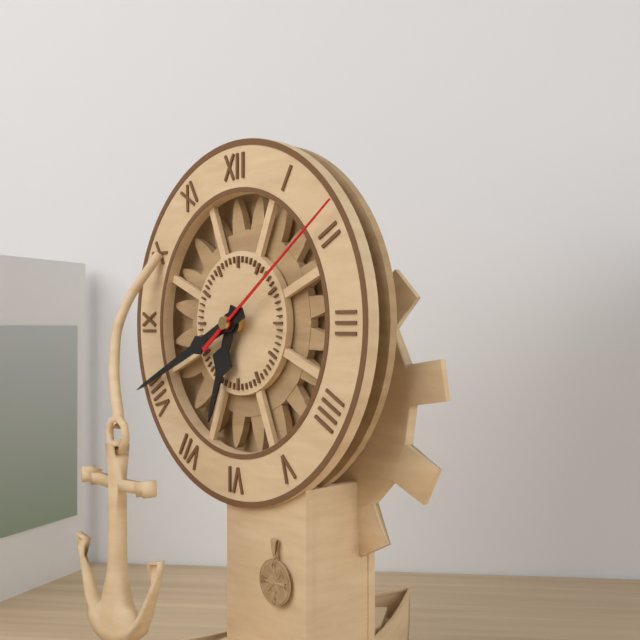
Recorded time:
6h41m09s
